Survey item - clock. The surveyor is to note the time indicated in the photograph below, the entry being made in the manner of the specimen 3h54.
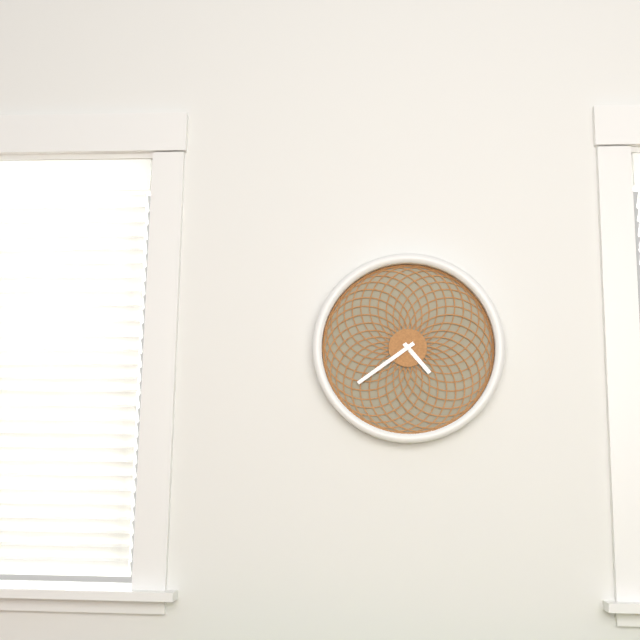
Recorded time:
4h39
